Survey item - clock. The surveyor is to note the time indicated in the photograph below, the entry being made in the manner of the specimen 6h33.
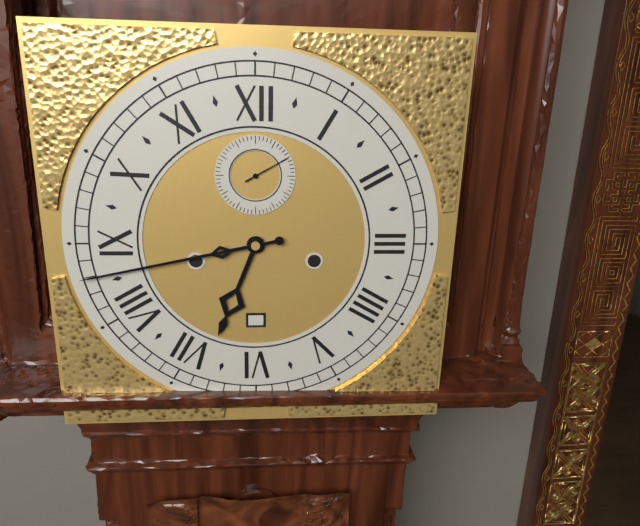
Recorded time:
6h43
